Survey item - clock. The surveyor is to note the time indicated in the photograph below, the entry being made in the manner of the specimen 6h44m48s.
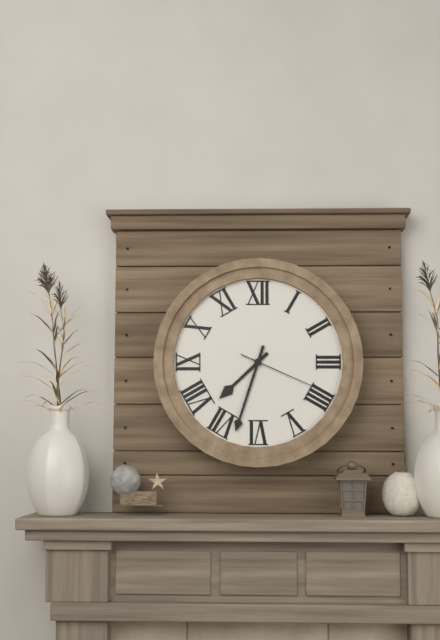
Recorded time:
7h33m19s
